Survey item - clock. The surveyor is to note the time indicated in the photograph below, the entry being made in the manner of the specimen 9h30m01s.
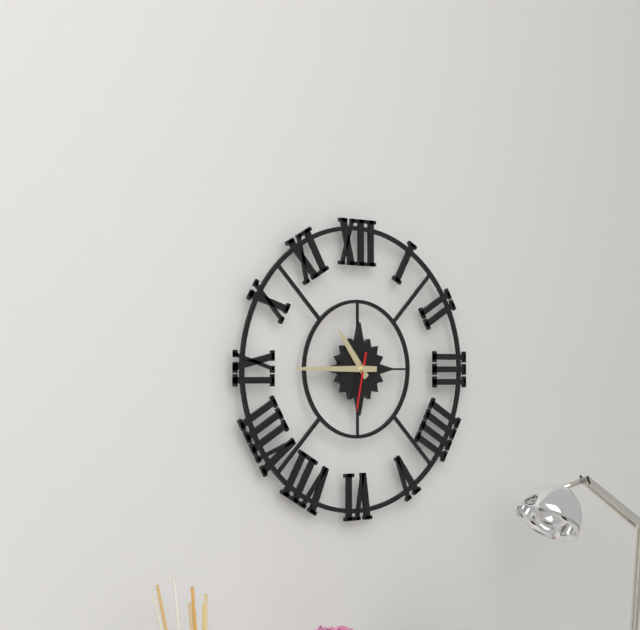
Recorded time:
10h45m32s
